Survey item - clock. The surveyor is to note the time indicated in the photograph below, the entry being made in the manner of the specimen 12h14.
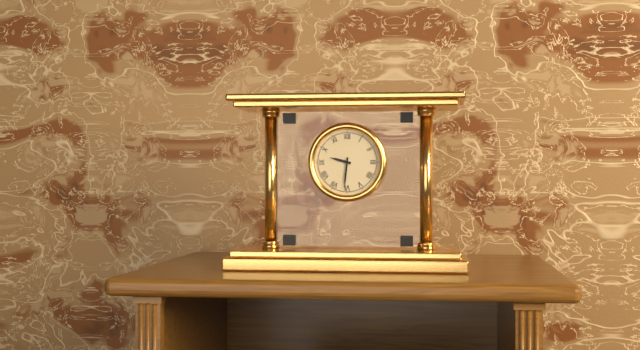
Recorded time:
9h31
